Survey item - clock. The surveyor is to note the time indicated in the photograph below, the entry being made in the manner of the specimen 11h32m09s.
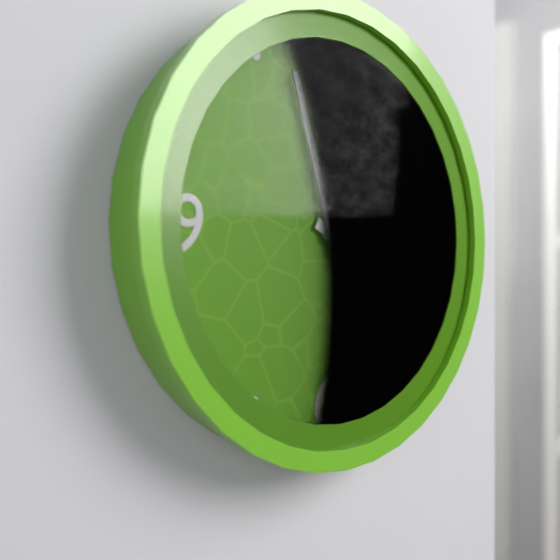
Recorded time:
3h57m26s
